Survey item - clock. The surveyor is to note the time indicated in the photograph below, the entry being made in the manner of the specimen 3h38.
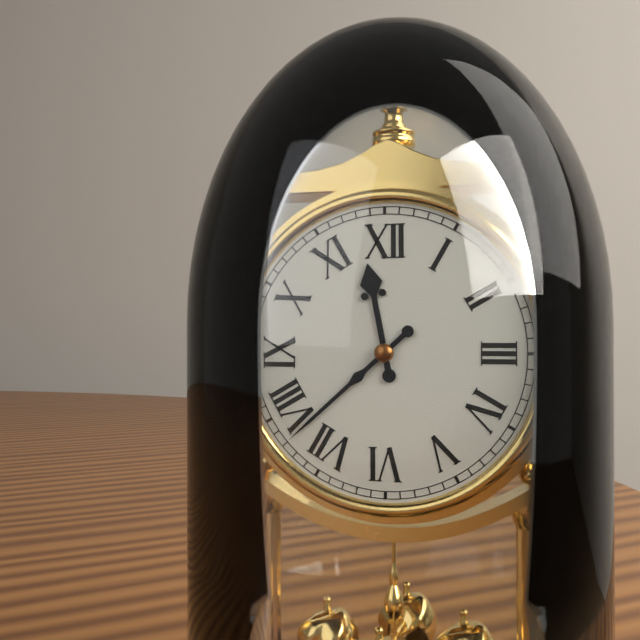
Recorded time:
11h38
